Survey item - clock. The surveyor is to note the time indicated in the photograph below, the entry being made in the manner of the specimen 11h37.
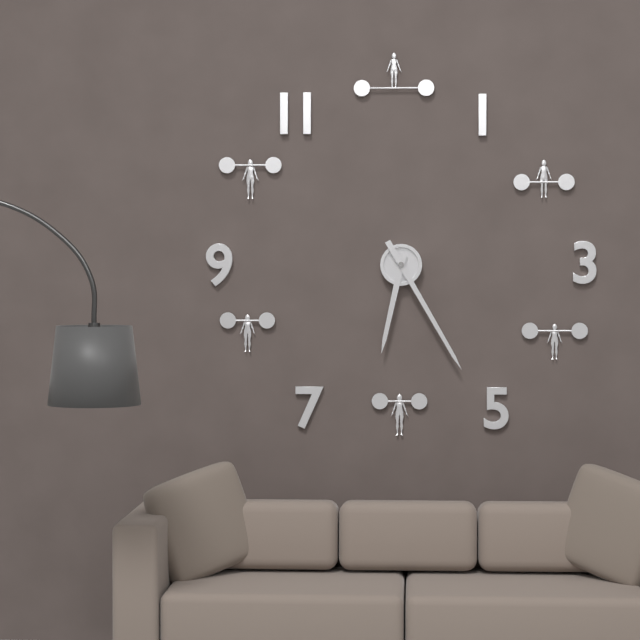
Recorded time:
6h25
